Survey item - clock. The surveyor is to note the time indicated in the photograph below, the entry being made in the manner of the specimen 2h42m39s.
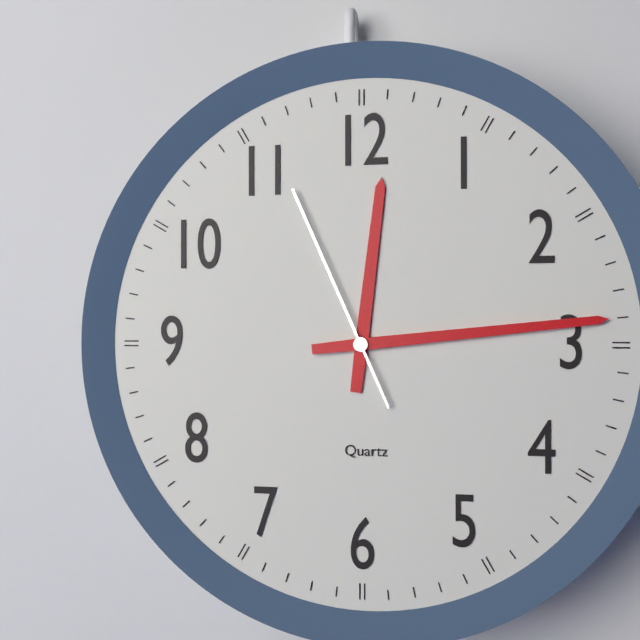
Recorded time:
12h14m56s
